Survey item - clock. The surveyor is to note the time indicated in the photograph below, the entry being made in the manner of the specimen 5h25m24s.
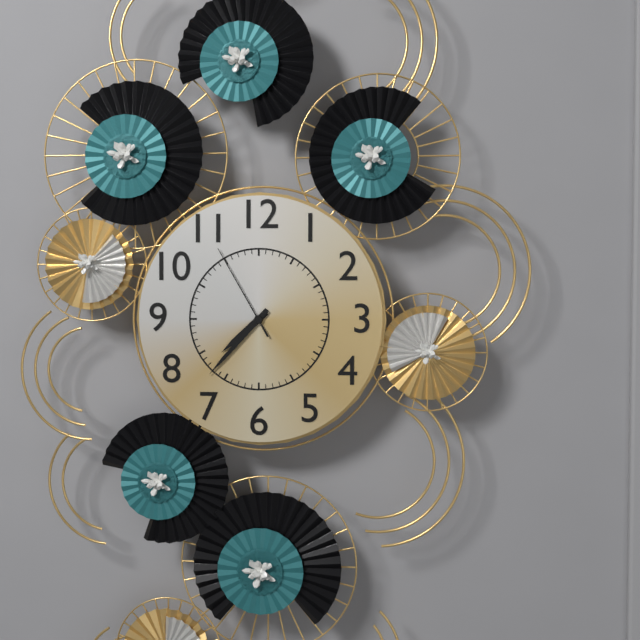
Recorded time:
7h37m55s
